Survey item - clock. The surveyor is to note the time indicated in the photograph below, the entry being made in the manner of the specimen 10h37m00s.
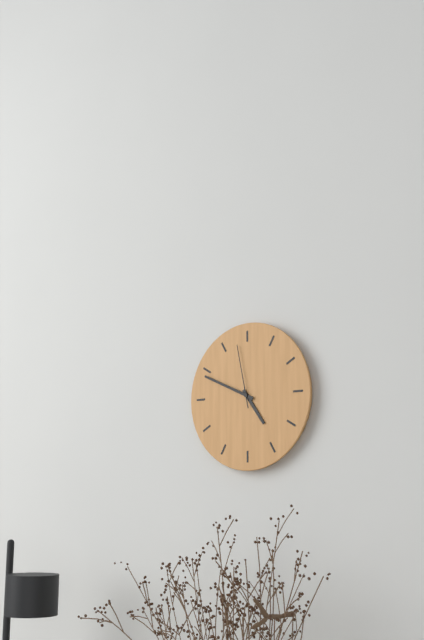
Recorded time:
4h49m58s
